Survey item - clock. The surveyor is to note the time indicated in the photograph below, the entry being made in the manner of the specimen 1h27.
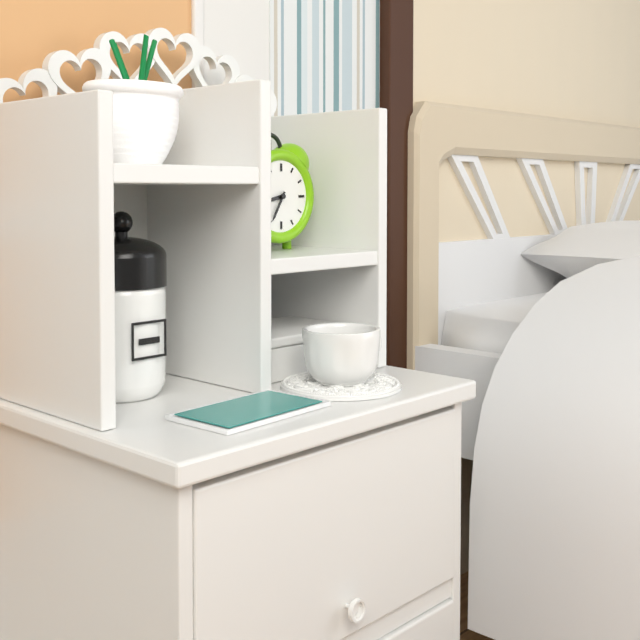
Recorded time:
8h35
